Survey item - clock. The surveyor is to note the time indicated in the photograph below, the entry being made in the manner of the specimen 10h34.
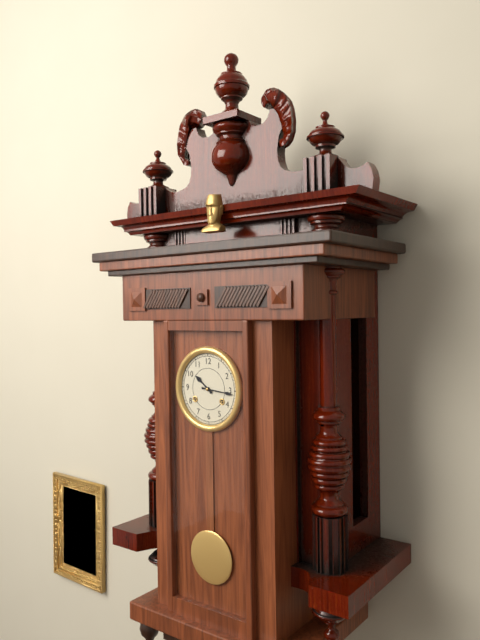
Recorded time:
10h16
